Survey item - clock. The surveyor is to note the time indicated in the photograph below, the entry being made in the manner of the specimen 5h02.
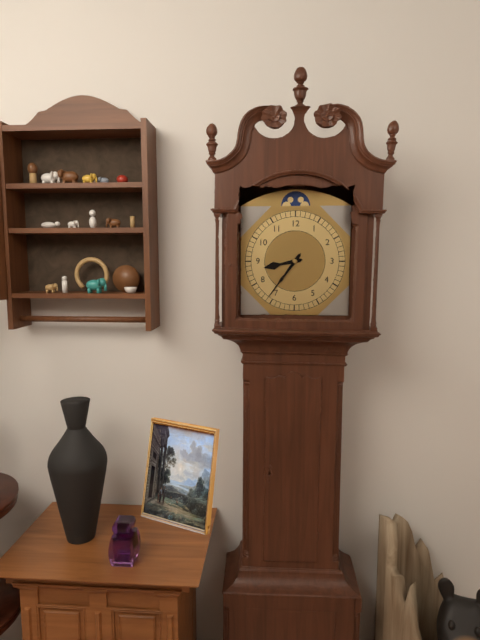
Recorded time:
8h36
